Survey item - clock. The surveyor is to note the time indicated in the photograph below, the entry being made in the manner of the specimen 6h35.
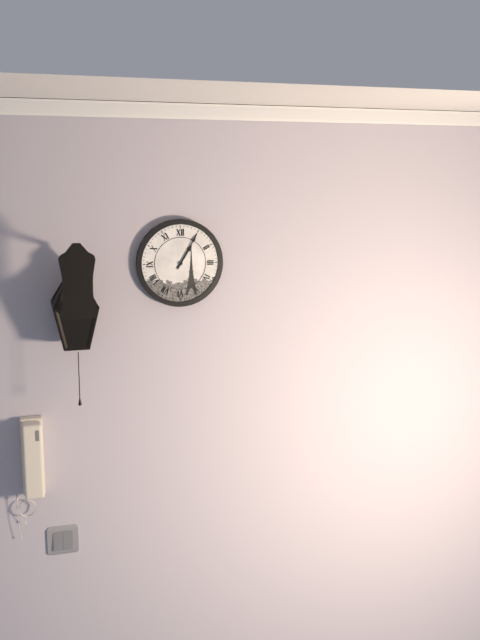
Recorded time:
1h05
